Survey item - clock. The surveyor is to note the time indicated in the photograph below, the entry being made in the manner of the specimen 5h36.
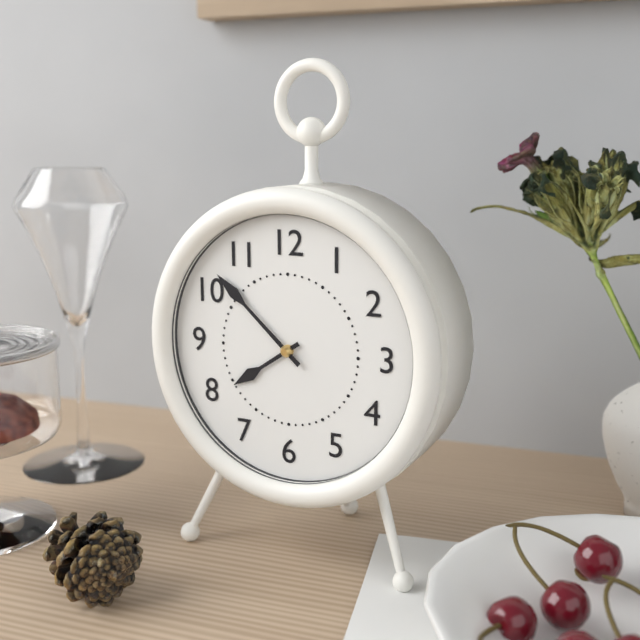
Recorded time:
7h52
